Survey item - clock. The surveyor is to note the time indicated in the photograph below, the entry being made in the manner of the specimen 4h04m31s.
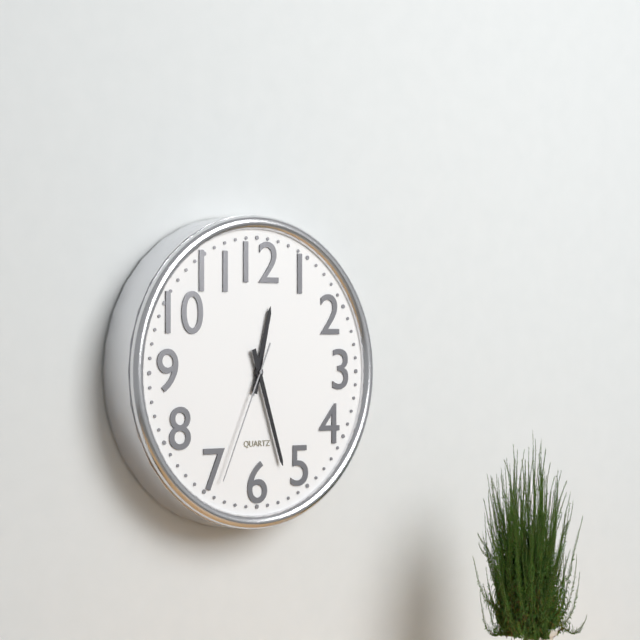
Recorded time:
12h27m34s
